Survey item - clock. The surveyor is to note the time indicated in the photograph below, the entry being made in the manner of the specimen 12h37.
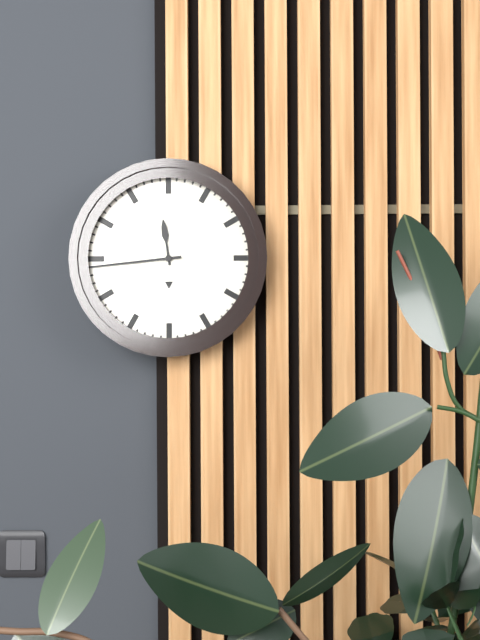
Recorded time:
11h44
